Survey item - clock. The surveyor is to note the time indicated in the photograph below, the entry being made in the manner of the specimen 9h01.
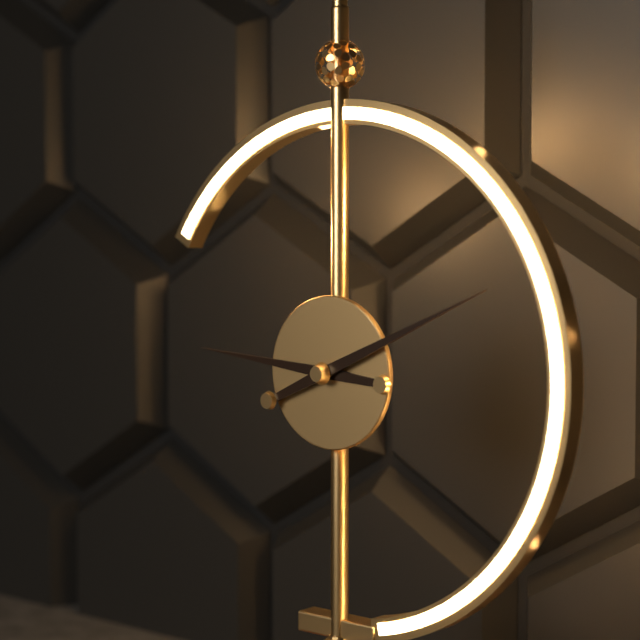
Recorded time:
9h11
